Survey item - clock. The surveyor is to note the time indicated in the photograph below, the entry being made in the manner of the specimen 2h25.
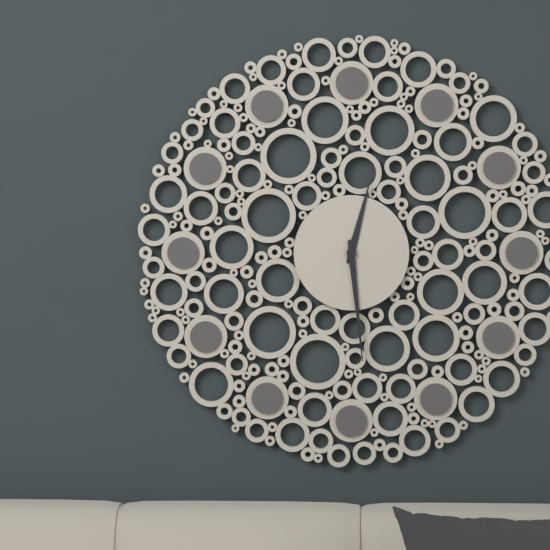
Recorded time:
12h29
